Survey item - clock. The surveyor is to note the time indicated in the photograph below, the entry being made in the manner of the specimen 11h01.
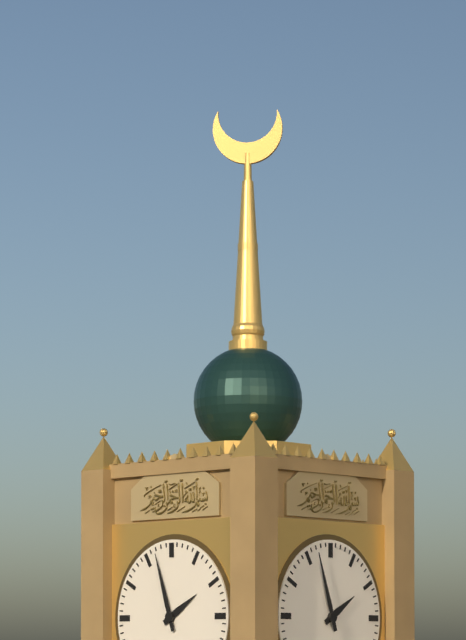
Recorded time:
1h57
